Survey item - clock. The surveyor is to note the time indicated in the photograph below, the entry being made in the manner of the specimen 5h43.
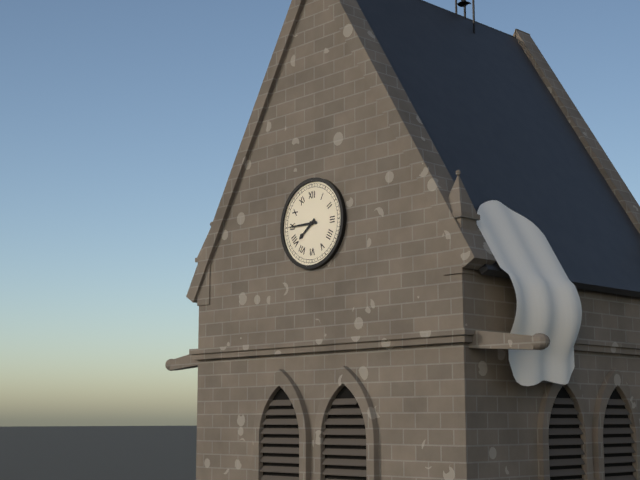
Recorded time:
7h45
